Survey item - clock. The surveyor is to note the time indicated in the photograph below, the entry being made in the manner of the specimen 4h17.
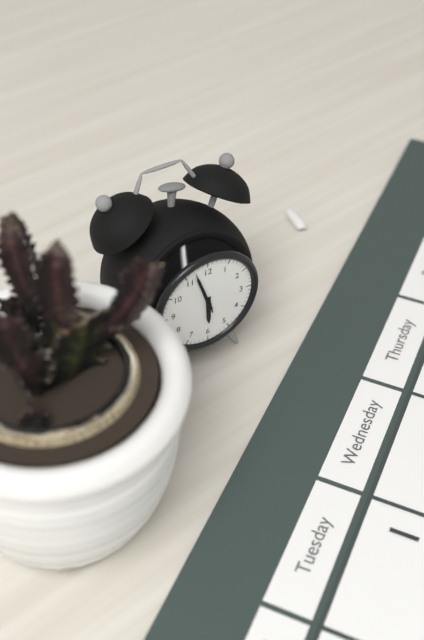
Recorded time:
5h57
